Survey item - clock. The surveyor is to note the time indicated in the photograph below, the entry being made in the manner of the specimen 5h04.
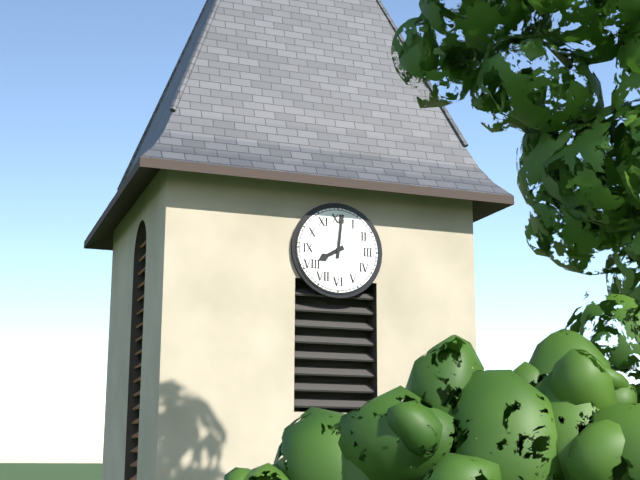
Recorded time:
8h01
